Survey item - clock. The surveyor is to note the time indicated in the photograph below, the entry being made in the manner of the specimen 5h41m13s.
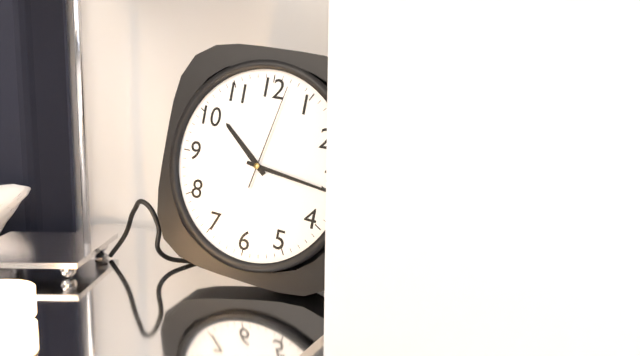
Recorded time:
10h16m02s
